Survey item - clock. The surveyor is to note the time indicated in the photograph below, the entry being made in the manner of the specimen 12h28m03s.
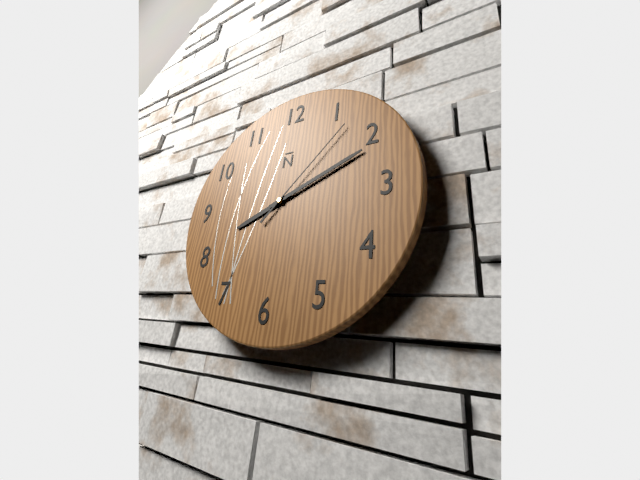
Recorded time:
8h11m07s
